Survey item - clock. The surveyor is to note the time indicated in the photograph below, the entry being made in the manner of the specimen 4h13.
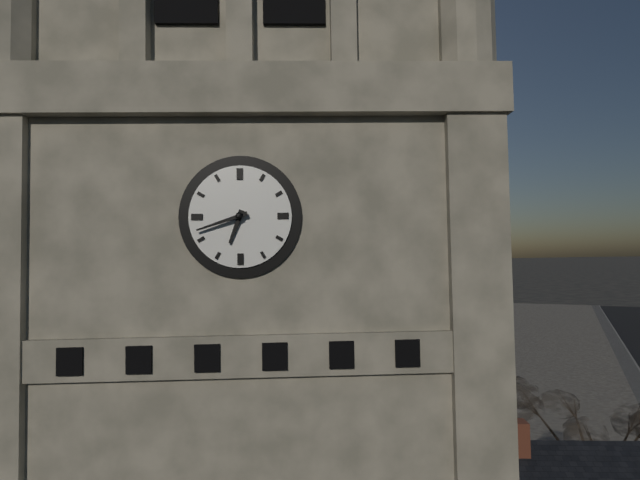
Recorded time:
6h42
